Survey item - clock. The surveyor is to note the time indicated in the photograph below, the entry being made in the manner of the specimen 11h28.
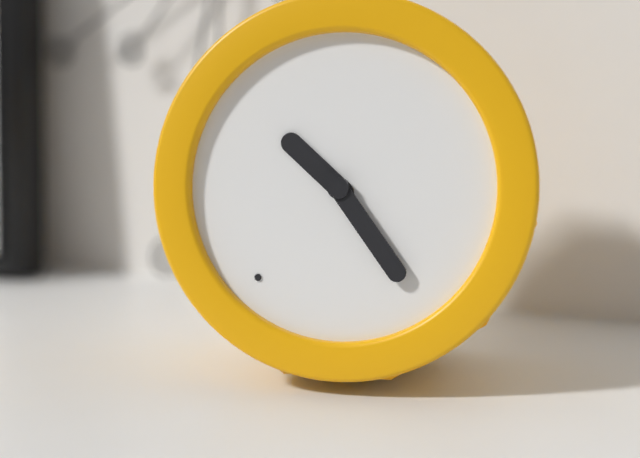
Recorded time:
10h24
